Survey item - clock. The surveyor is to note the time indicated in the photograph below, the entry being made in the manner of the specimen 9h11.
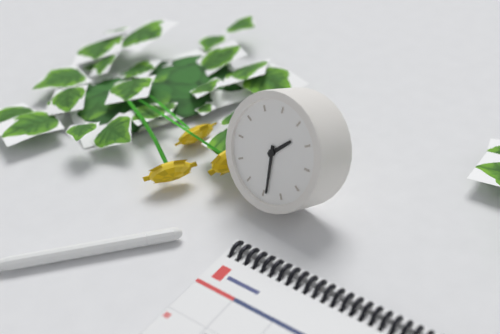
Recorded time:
1h29
